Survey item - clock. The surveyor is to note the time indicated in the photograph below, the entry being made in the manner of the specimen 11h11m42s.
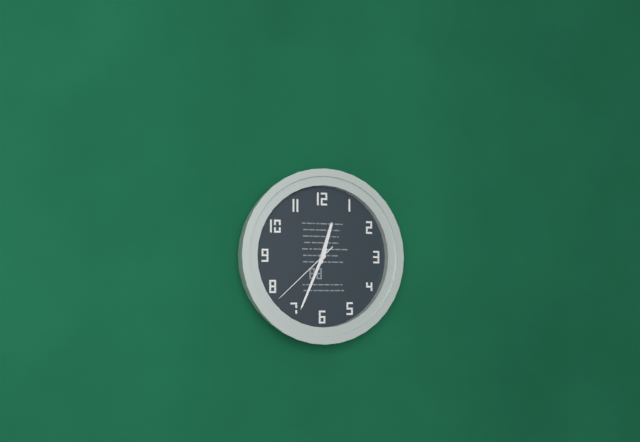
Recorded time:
12h34m38s
